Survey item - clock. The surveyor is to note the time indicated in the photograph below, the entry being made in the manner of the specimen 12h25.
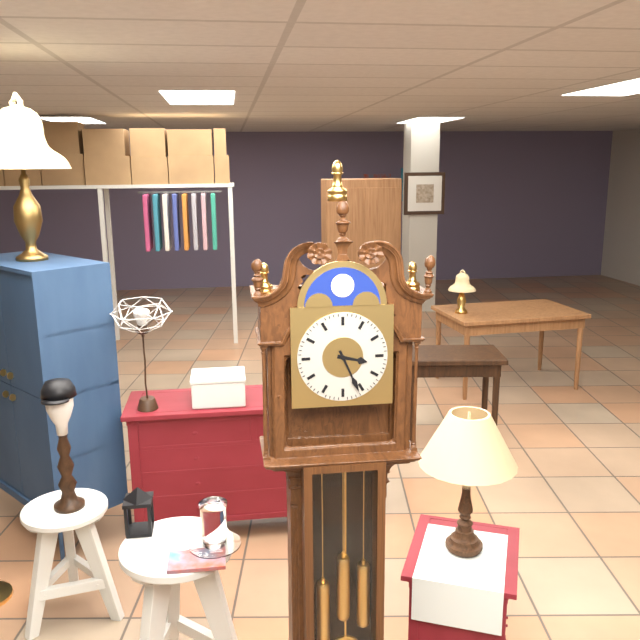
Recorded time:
3h26
